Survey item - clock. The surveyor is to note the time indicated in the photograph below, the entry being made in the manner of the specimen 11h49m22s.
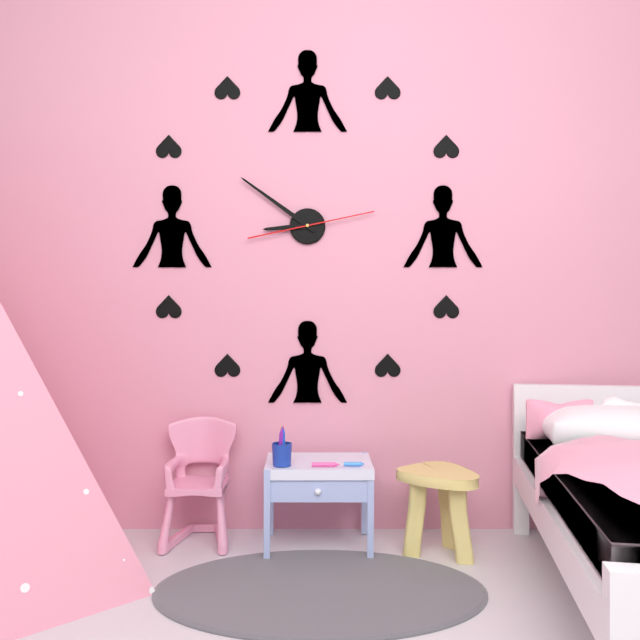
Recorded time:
8h51m13s
